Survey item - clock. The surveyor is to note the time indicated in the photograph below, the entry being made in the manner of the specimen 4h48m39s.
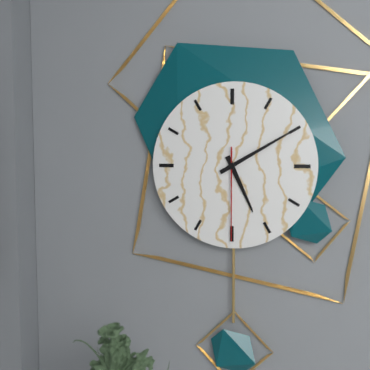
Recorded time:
5h10m30s
